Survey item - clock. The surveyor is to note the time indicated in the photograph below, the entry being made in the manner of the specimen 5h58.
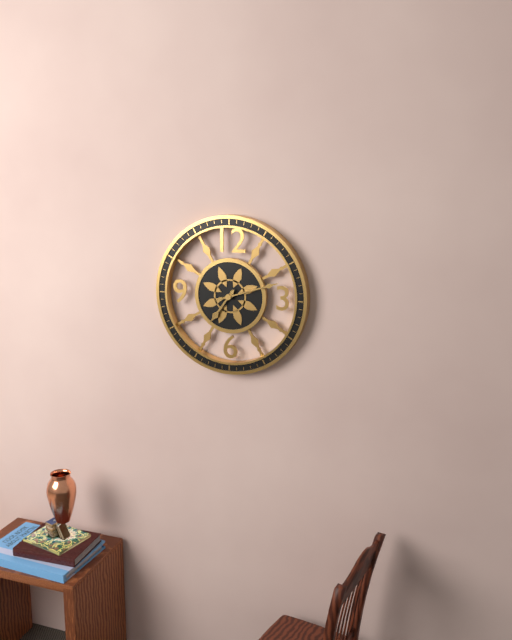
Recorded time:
7h12
